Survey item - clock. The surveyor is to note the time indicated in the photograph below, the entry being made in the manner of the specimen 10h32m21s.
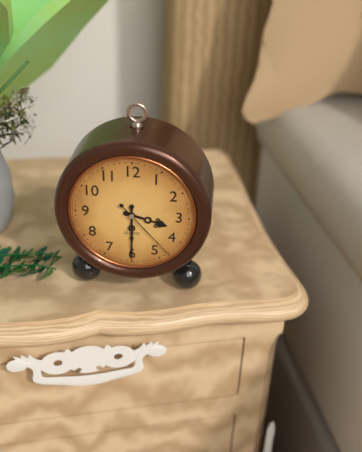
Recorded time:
3h30m23s
